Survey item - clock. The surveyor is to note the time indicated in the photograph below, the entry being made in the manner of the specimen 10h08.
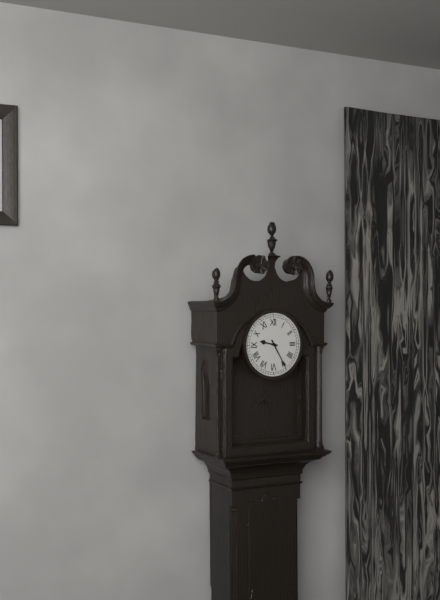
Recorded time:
9h25
